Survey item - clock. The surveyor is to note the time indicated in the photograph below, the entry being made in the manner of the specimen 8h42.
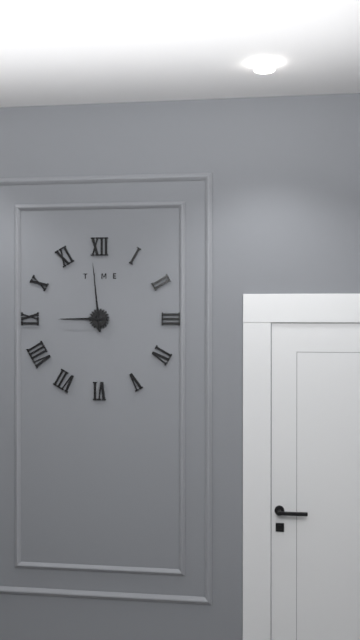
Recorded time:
8h59
